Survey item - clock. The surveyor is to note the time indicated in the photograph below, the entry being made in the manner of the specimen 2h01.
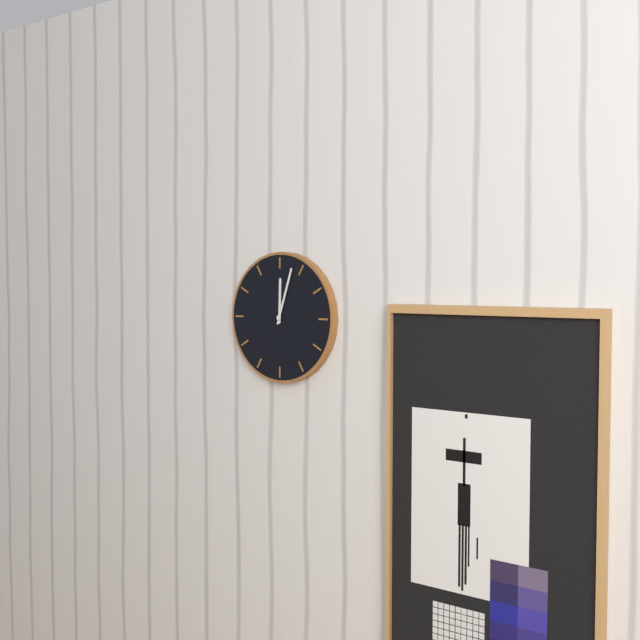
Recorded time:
12h03
